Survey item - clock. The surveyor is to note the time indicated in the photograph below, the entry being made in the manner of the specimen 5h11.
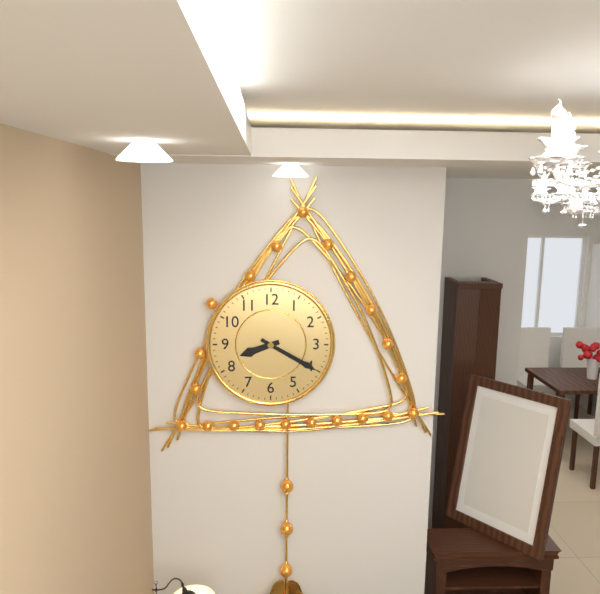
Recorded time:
8h20
